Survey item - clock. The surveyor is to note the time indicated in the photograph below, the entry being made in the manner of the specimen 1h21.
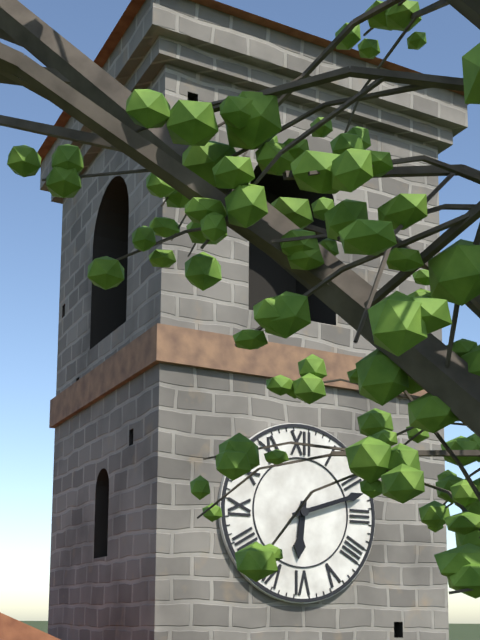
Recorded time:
6h12
